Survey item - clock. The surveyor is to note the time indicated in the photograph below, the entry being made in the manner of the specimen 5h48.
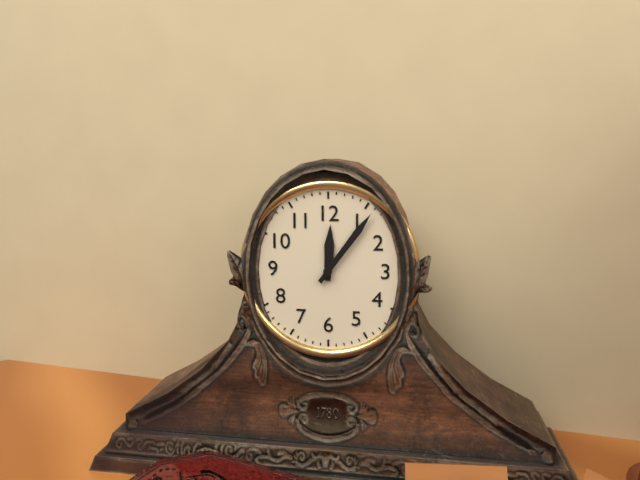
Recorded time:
12h06
